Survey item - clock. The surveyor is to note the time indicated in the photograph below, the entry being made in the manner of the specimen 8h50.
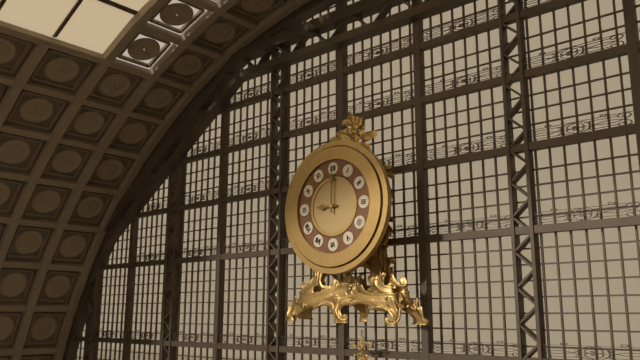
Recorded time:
9h00
